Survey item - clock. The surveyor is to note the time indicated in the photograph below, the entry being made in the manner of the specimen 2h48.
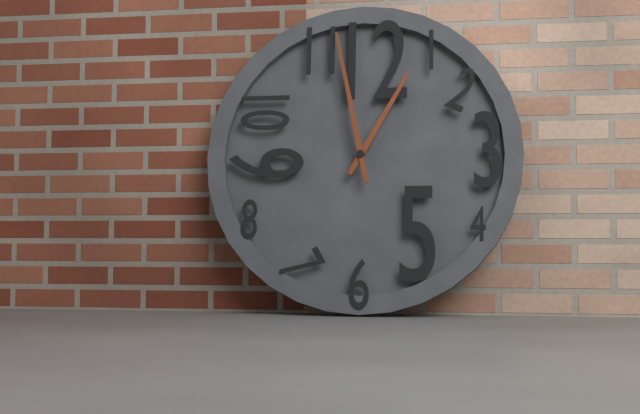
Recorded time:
12h58
